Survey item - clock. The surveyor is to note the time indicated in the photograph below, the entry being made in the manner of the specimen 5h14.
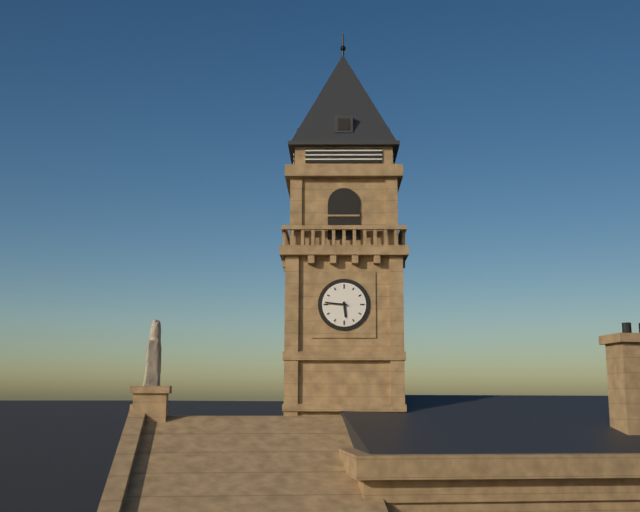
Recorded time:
5h46
